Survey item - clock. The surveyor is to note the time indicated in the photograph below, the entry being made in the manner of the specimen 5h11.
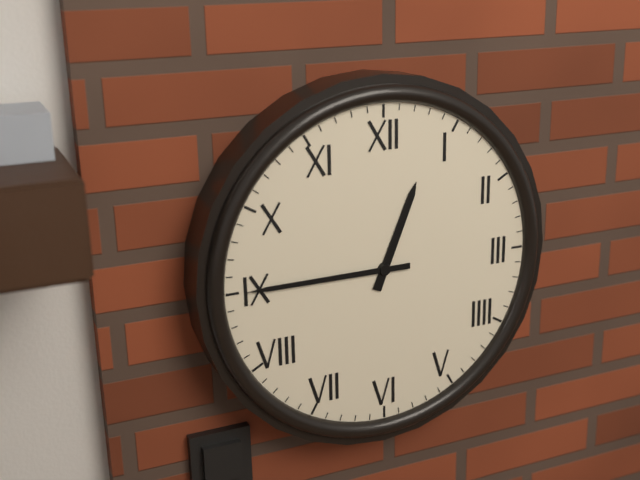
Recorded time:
12h45
